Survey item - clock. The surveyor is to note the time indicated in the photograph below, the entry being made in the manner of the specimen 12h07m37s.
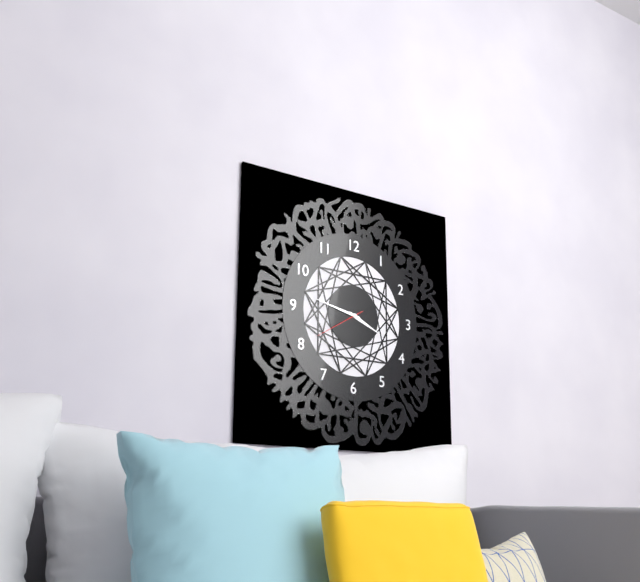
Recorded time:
3h47m40s
